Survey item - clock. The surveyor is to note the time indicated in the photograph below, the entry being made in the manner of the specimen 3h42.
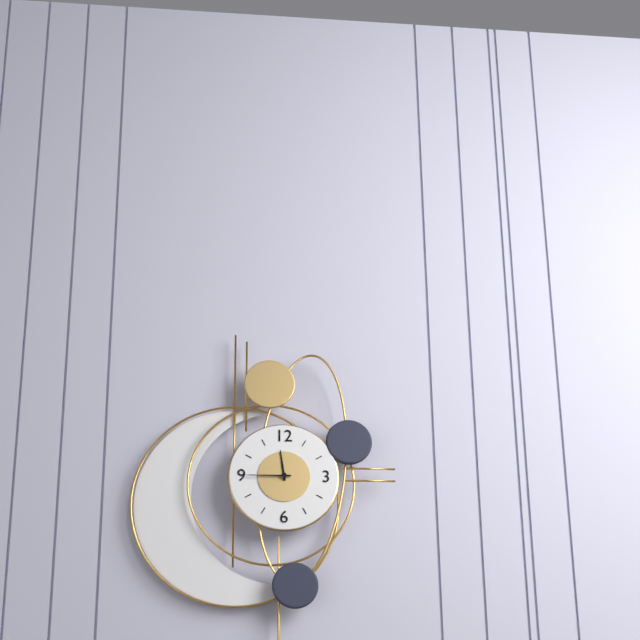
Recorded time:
11h45
